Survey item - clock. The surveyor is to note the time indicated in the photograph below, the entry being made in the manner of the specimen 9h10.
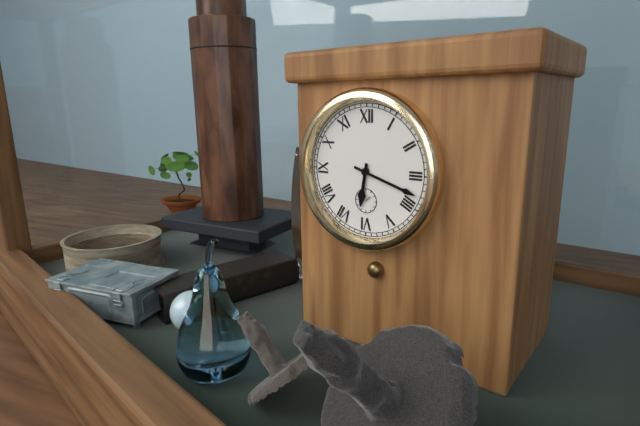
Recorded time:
6h18
